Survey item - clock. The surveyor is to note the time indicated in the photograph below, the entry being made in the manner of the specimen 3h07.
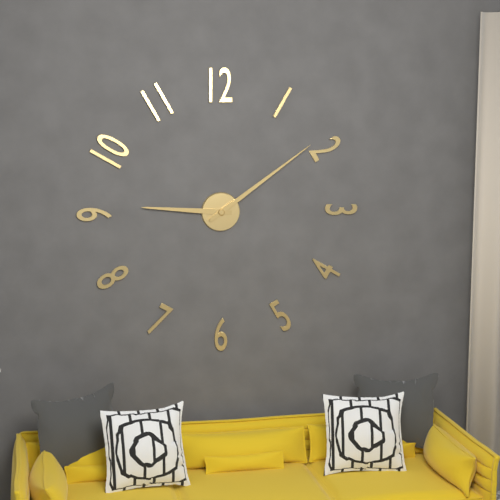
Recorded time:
9h09
